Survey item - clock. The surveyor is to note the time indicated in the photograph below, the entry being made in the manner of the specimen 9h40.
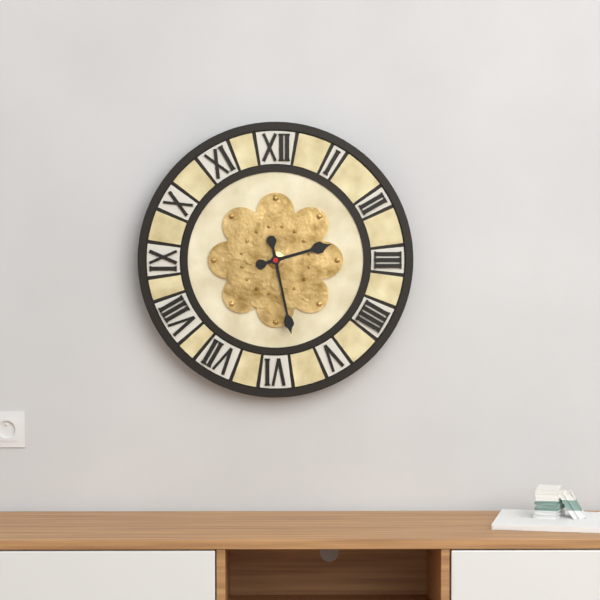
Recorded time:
2h28
